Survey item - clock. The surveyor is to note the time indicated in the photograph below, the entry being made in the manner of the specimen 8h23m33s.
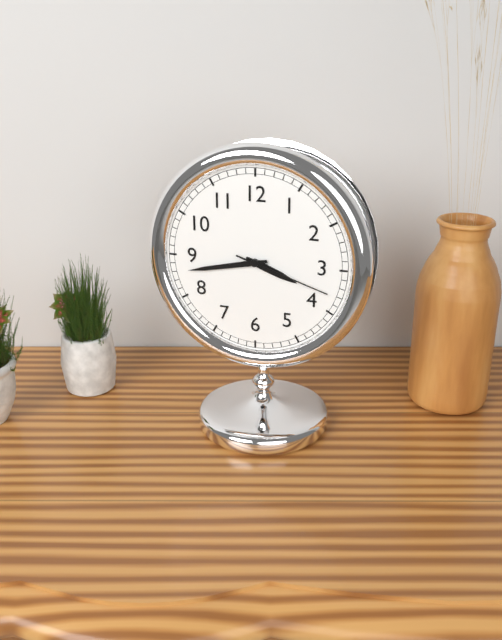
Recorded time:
3h43m18s
